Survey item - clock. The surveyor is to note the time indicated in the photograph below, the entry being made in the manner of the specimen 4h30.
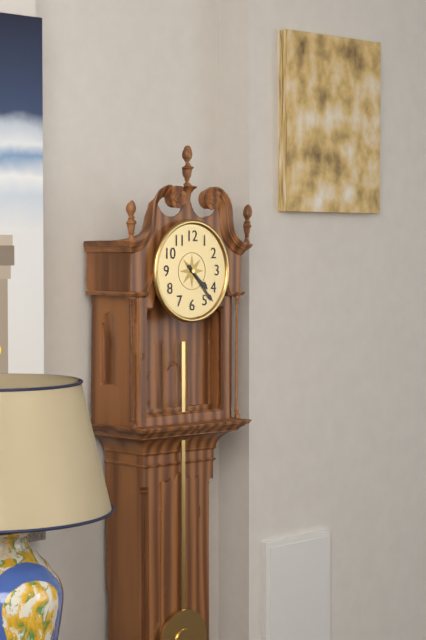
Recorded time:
4h23
